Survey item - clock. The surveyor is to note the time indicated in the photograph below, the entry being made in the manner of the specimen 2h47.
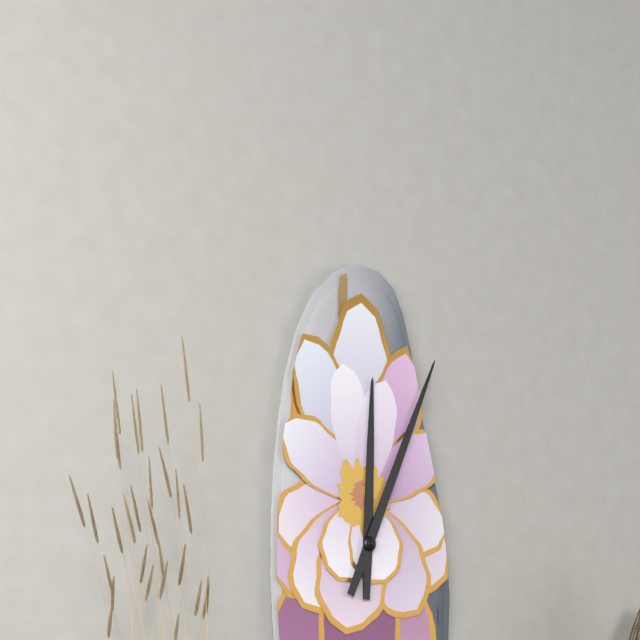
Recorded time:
12h04
